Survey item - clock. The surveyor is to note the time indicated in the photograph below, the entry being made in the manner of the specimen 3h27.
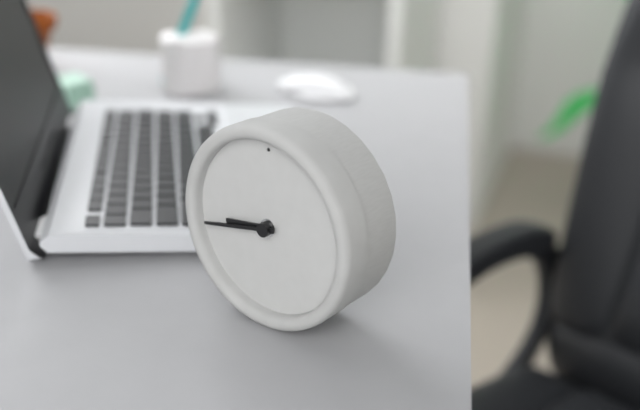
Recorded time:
8h43
